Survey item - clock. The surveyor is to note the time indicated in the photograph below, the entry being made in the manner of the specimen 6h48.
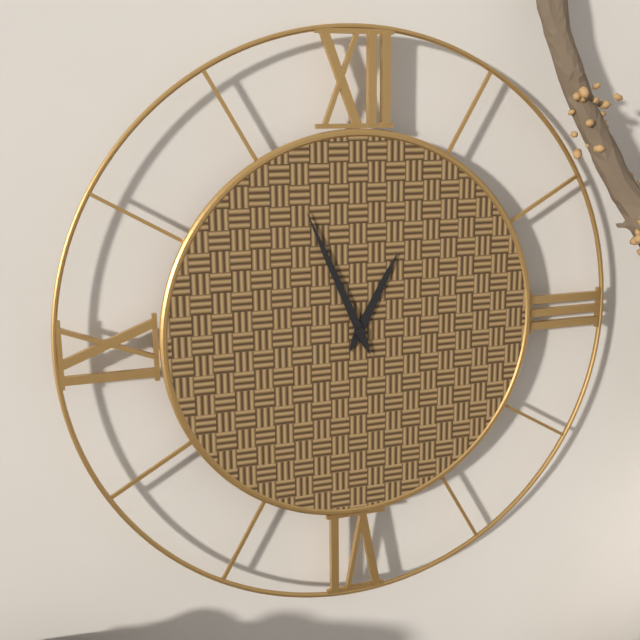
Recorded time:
12h56
